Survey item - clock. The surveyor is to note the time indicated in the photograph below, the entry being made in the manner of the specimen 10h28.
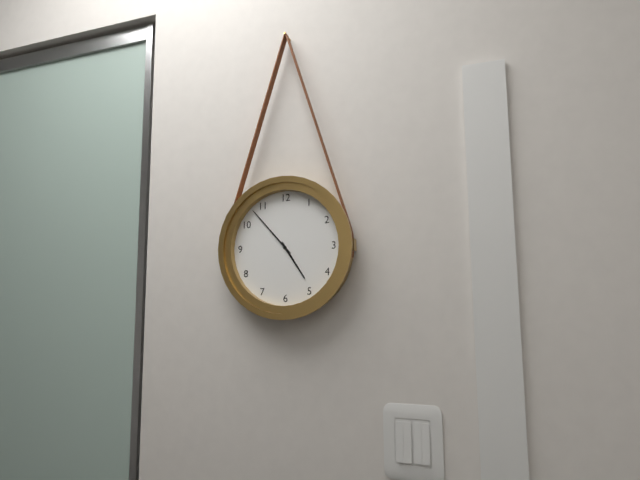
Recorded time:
4h53
